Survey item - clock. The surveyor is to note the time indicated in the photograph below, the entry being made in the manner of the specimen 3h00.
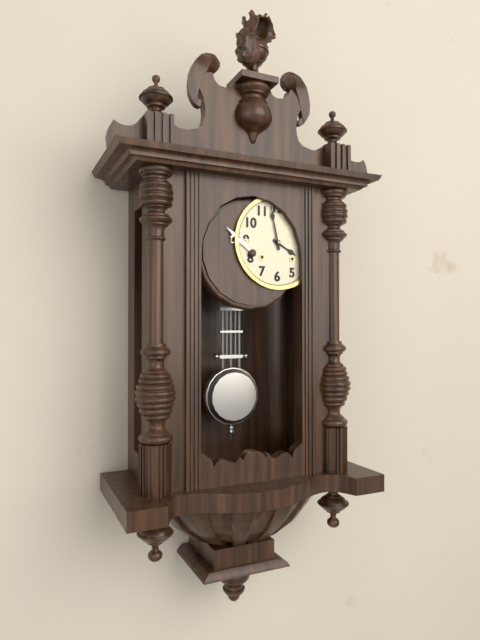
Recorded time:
3h58
